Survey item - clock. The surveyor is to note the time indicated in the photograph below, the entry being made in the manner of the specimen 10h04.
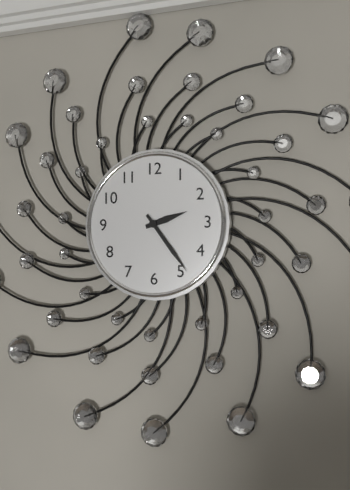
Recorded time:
2h24
